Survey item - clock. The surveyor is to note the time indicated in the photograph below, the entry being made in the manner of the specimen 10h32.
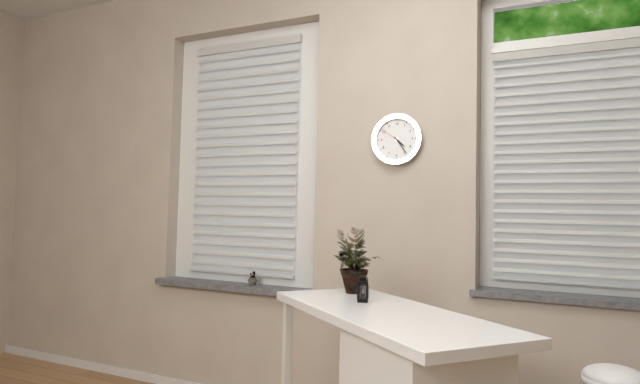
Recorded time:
4h24
